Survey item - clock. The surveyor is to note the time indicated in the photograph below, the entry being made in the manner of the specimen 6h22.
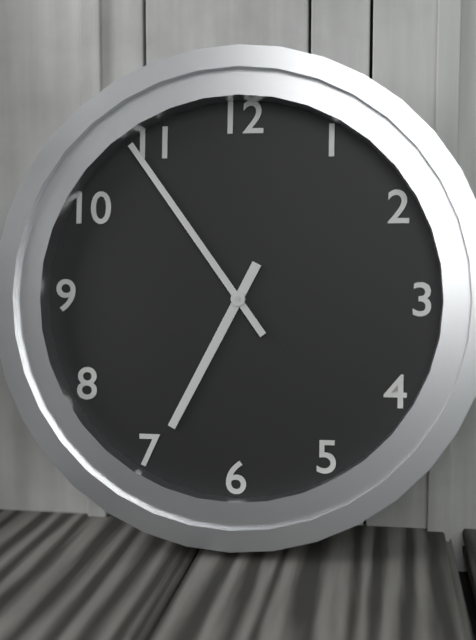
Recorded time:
6h54
